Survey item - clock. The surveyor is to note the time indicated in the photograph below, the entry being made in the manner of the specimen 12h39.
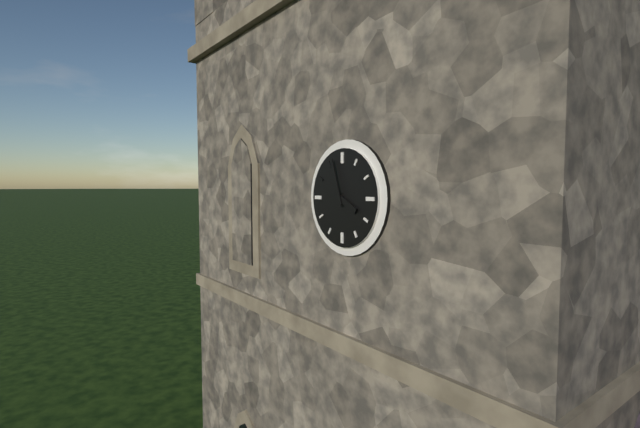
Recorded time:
3h57
